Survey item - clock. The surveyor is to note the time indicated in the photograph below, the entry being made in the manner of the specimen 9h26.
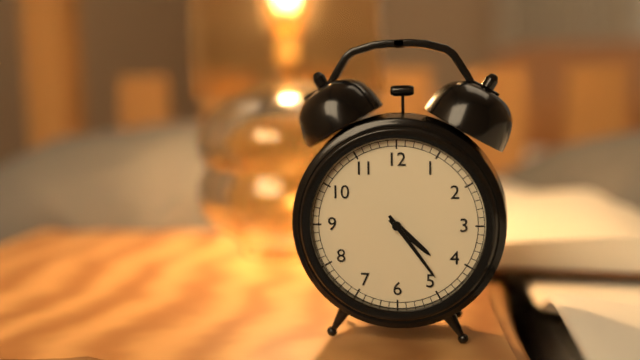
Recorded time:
4h24
